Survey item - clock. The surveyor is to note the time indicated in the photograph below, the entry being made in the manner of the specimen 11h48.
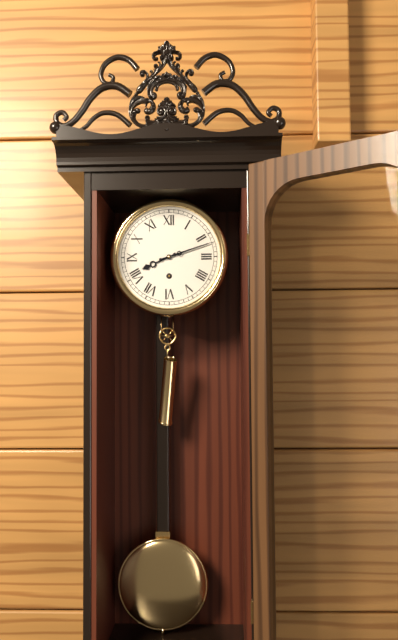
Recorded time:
8h12
